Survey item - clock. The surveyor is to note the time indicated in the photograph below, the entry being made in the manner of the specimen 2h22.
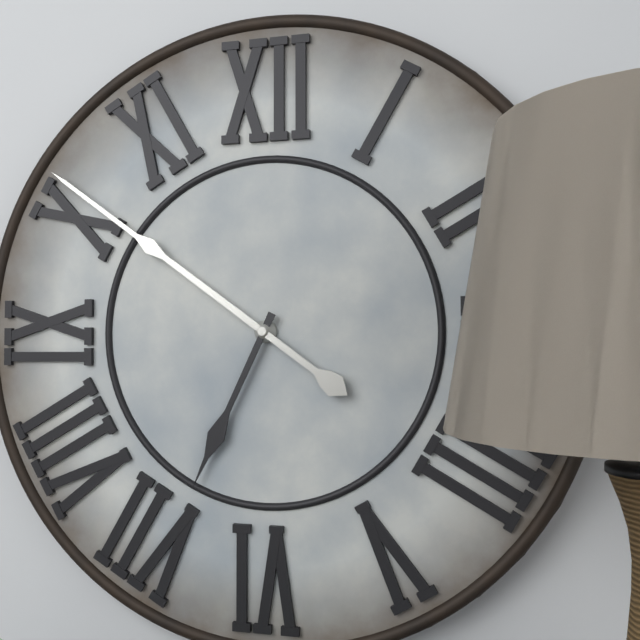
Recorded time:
6h51
